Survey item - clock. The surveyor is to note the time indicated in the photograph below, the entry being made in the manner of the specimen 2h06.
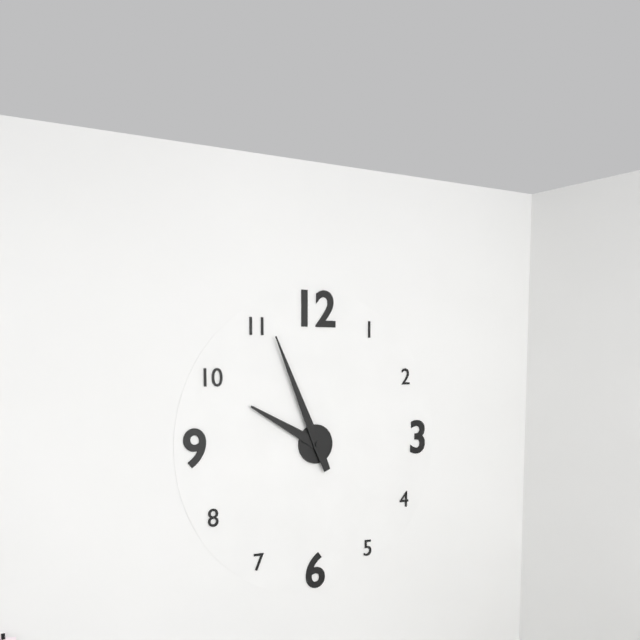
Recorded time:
9h56
